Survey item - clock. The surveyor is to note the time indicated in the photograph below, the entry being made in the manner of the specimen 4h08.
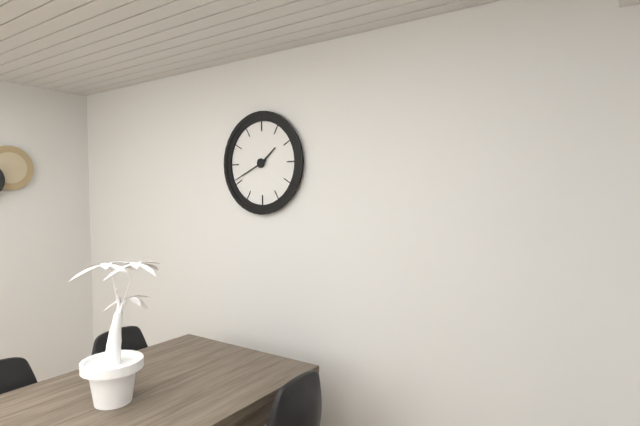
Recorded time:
1h41
